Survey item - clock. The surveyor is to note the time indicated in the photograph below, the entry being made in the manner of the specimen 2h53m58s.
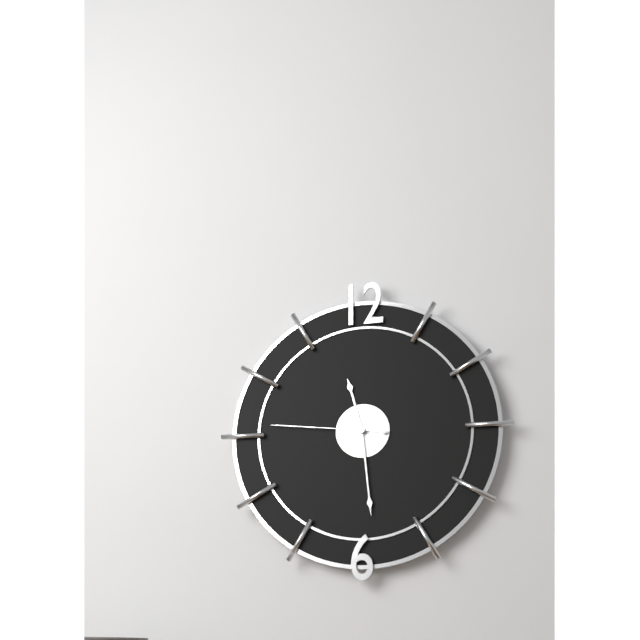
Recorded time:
11h29m46s
